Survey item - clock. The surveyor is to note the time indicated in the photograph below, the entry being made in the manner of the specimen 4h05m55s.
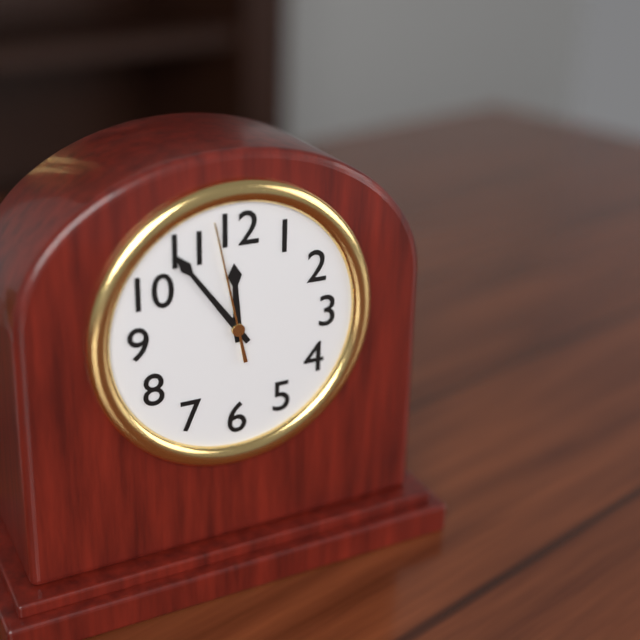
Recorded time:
11h54m58s
